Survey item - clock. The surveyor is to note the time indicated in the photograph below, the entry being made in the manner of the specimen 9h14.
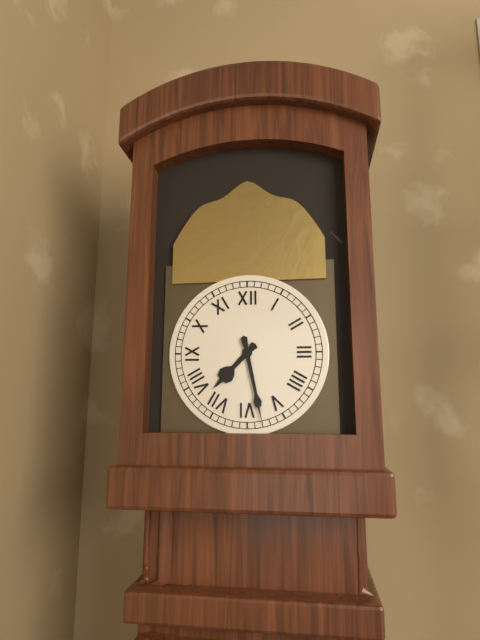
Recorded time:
7h28
